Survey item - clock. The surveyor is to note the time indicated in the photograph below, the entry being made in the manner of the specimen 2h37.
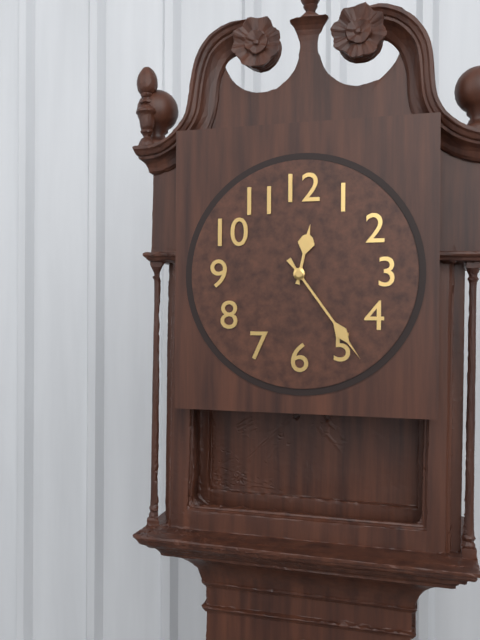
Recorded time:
12h24
